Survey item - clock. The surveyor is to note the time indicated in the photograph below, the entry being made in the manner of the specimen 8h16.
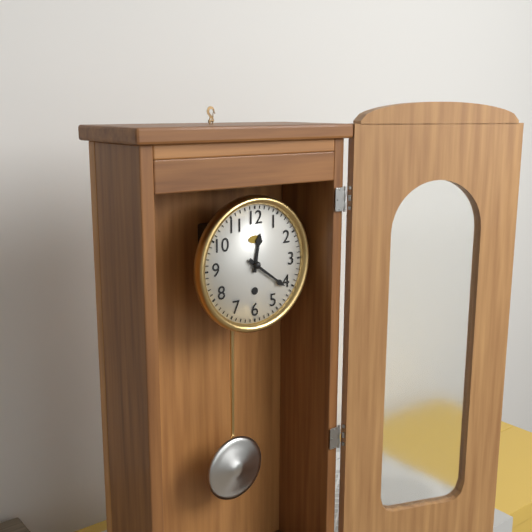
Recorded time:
12h21
